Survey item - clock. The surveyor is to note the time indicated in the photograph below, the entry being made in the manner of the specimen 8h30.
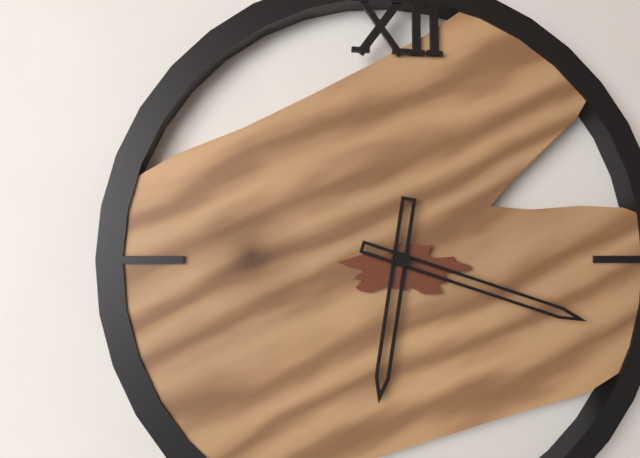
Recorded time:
6h18
